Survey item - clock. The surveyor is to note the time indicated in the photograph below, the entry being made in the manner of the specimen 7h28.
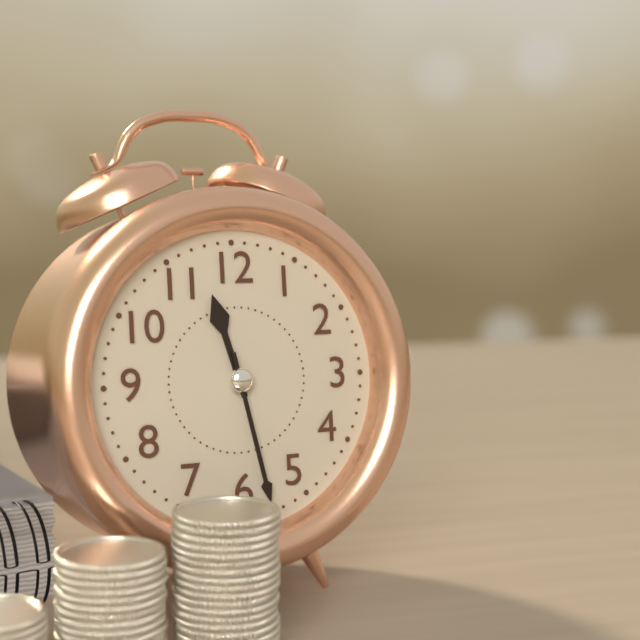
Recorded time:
11h28
